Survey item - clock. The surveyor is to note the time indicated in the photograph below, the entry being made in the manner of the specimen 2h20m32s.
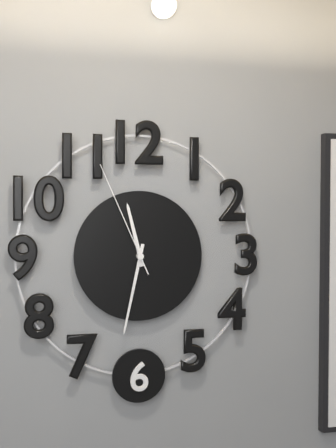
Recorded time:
11h32m56s
